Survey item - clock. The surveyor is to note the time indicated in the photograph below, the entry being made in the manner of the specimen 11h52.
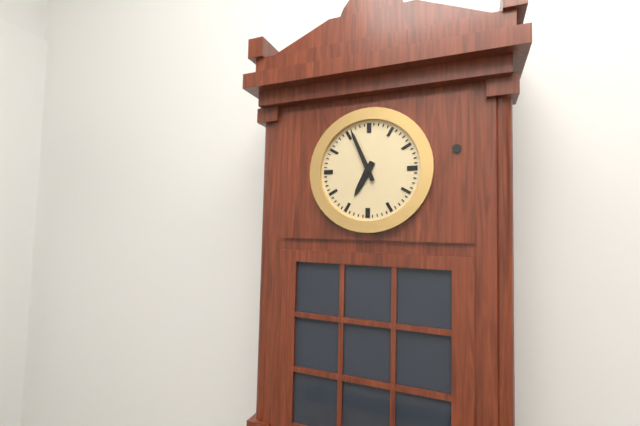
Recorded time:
6h56
